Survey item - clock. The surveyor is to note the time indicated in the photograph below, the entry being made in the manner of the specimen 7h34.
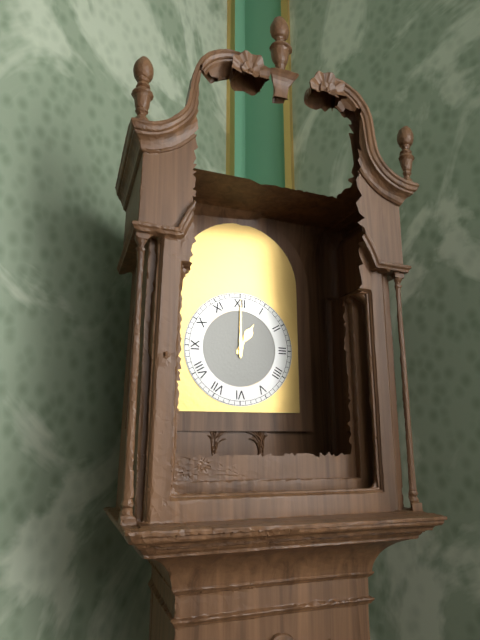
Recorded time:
1h00
